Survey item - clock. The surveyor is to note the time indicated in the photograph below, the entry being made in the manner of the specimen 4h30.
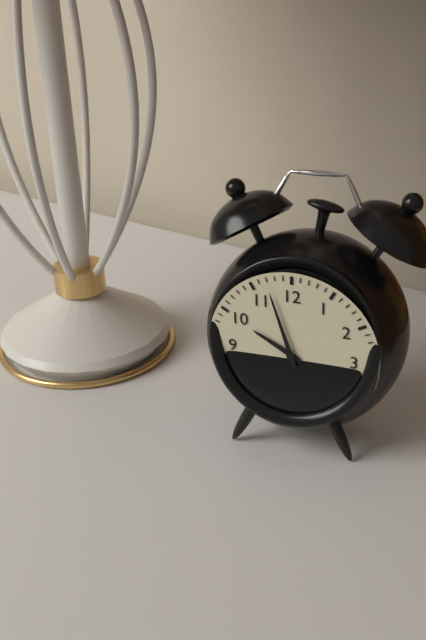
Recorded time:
9h57
